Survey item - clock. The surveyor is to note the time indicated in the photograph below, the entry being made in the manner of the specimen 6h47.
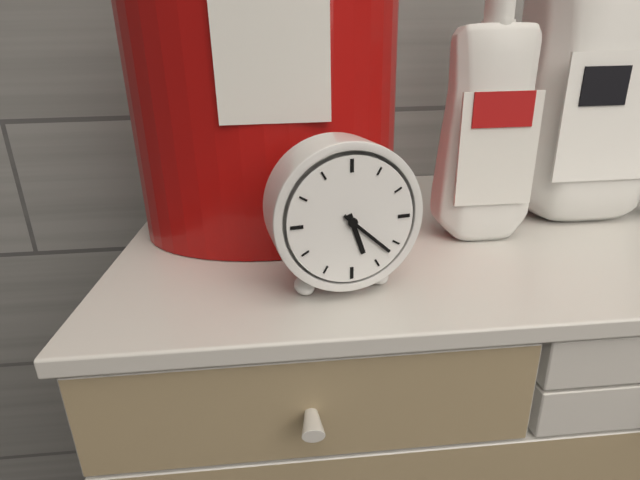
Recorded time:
5h22
